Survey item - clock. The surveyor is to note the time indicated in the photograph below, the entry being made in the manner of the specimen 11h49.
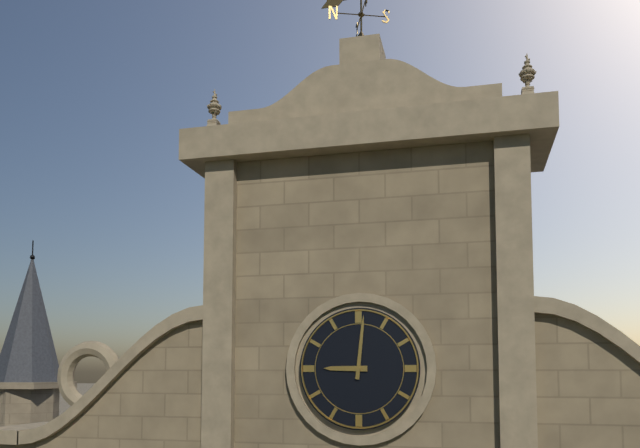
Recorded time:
9h01
